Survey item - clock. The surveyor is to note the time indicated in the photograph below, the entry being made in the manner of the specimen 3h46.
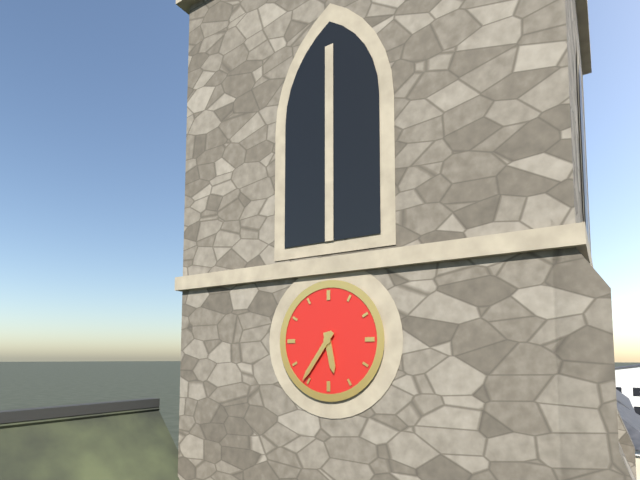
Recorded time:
5h36
